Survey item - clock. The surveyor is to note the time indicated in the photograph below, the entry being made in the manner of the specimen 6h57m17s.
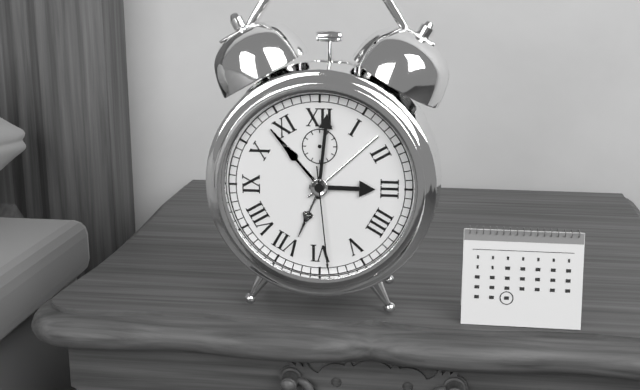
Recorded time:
3h01m29s
